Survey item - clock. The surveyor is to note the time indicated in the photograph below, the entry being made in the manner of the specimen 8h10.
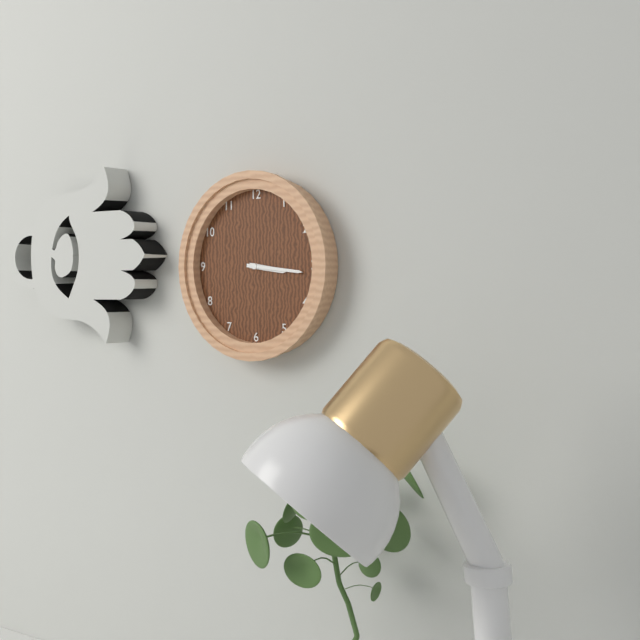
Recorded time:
3h16
